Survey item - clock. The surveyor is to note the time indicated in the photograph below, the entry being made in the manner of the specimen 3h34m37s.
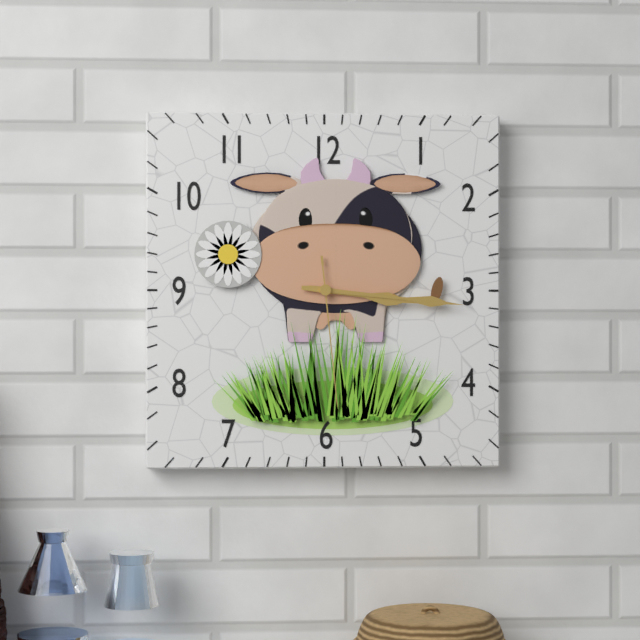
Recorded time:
3h16m29s
